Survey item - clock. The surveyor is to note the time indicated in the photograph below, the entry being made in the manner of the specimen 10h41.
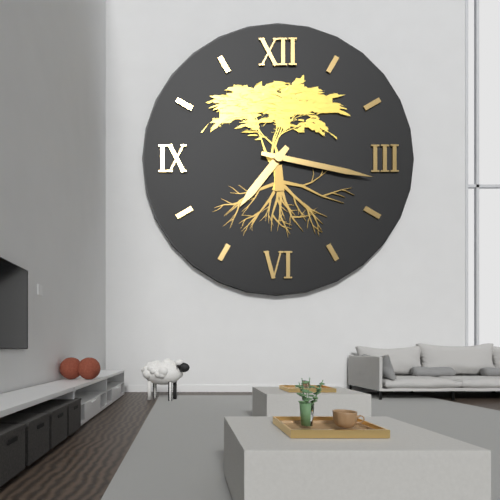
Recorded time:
7h17
